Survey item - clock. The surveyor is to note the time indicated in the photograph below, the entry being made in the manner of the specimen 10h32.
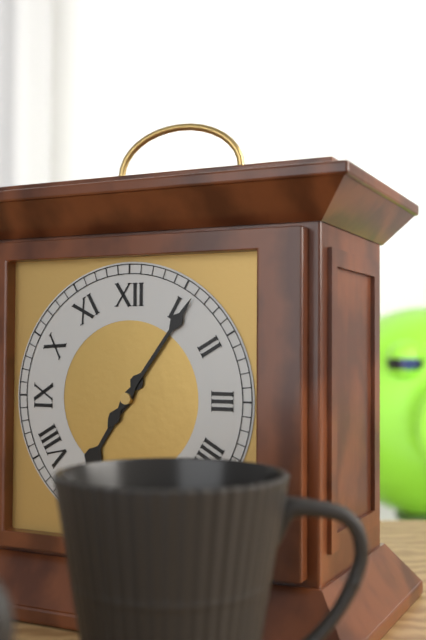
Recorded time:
7h06
